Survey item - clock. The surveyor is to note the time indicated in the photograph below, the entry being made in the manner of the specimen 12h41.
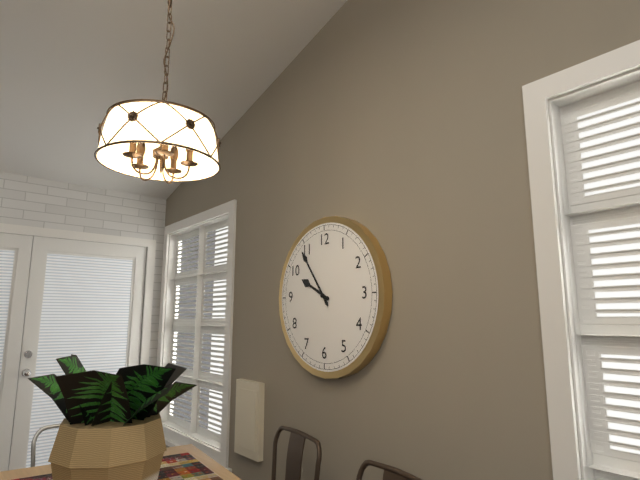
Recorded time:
9h54
